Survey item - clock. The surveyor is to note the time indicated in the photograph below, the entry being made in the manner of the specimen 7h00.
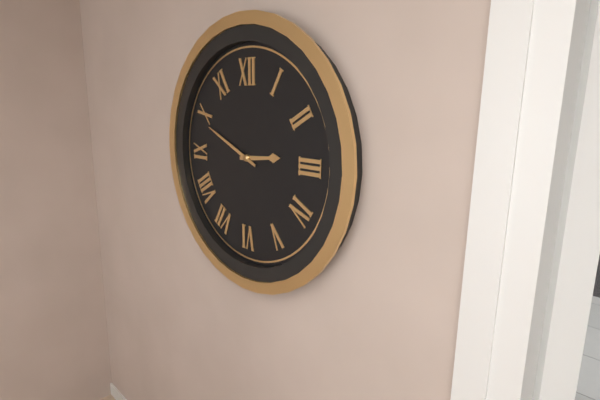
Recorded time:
2h49
